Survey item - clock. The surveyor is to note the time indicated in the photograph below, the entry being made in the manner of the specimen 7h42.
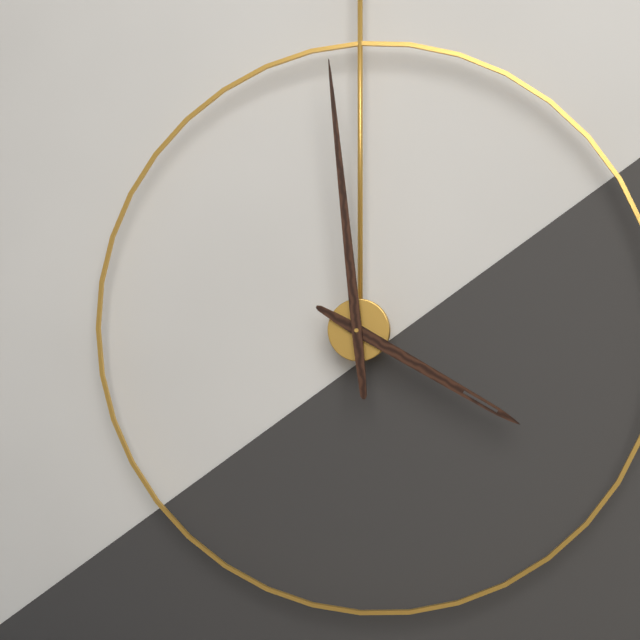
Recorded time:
3h59
